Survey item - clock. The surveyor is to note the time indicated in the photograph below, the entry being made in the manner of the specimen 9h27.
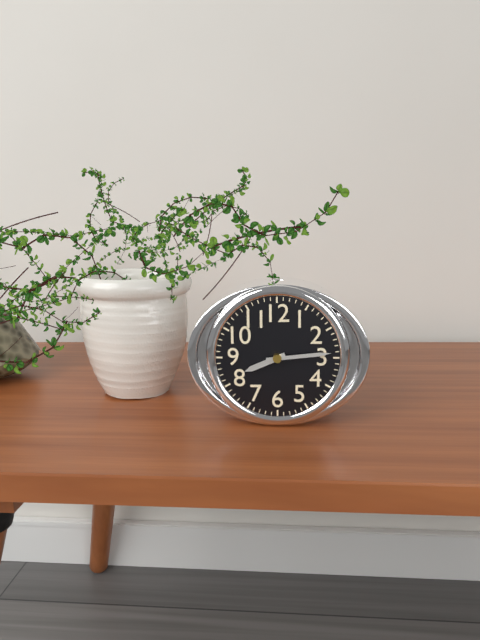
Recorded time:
8h14
